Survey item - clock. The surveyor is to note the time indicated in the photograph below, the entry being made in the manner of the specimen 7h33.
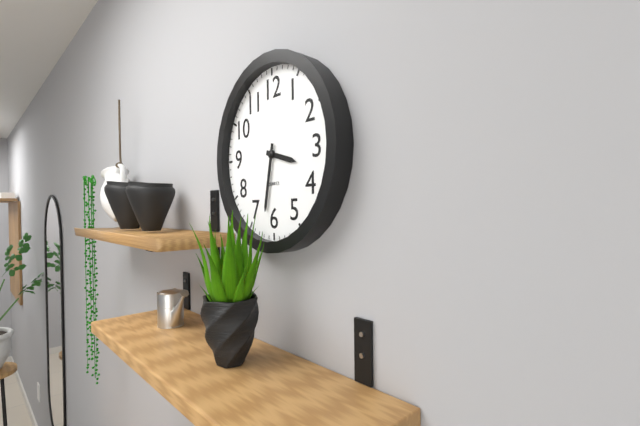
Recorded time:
3h32
